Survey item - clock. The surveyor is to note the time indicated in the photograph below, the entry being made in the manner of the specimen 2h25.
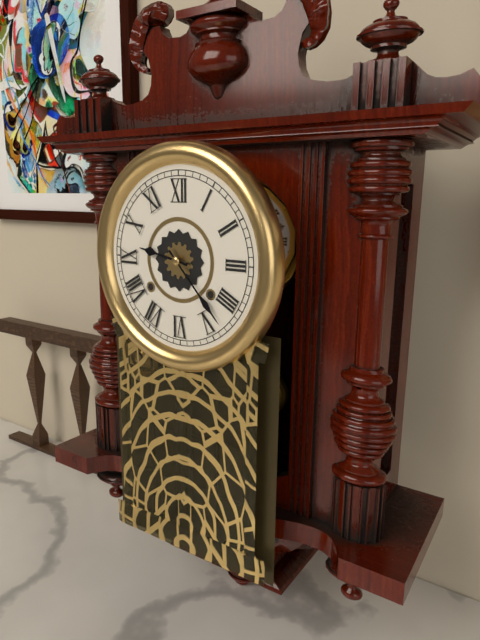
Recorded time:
9h23
